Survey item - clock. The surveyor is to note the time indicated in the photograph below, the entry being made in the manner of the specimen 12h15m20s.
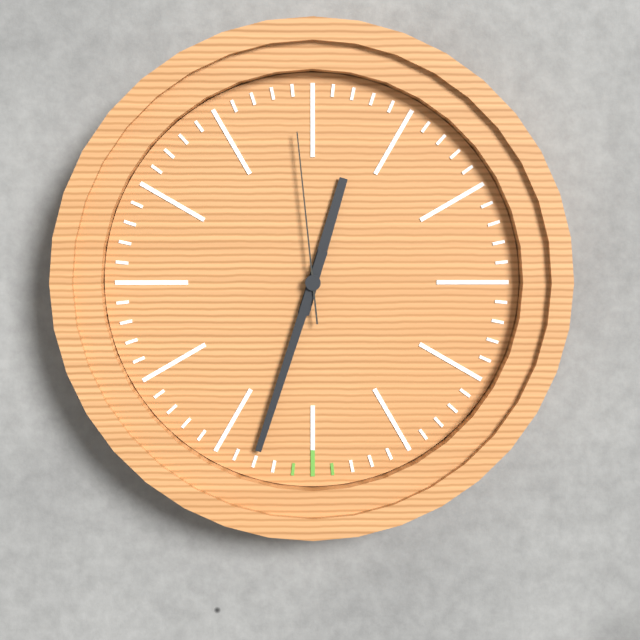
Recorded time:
12h33m59s
